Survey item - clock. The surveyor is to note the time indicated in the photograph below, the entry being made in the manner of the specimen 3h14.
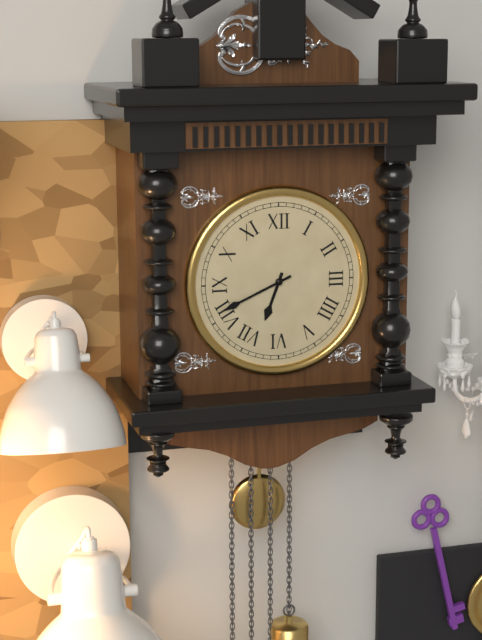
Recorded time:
6h41
